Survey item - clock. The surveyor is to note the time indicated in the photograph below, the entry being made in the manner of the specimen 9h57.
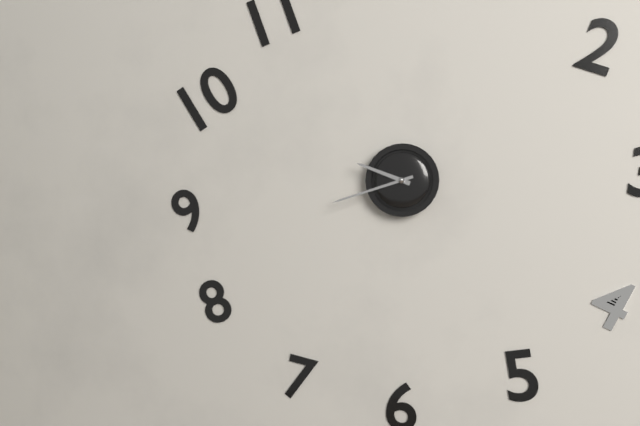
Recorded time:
9h42
